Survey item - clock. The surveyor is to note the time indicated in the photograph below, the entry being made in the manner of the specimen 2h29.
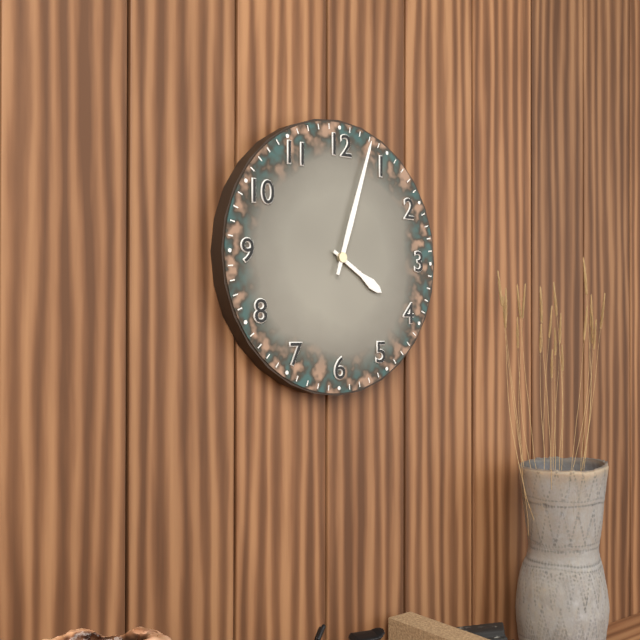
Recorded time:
4h03
